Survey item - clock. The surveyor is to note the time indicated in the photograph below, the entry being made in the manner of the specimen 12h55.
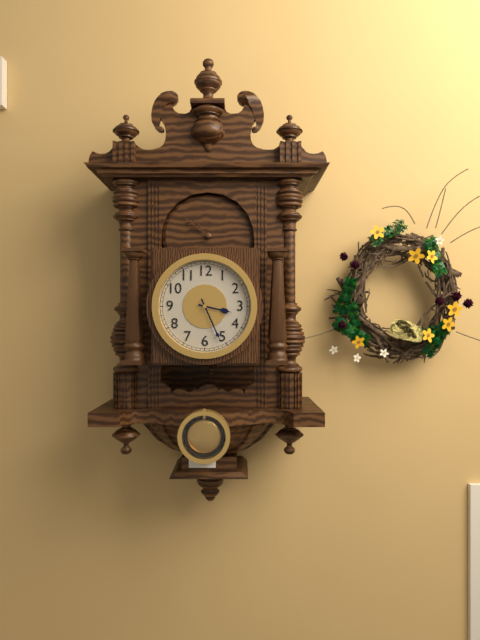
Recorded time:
3h26
